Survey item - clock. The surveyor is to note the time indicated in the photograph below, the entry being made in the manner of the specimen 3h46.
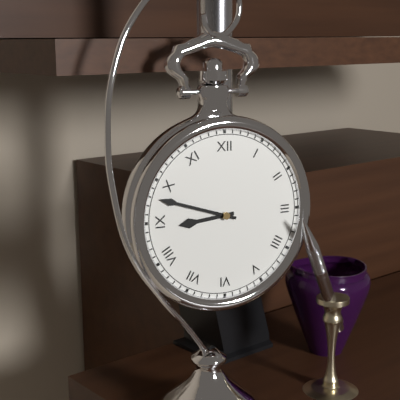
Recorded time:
8h48
